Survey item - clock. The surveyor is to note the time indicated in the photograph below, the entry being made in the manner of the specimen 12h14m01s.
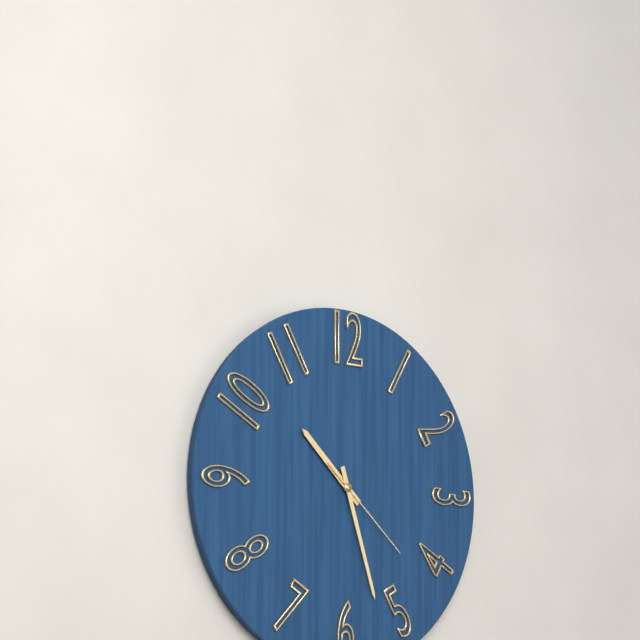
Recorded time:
10h27m22s
